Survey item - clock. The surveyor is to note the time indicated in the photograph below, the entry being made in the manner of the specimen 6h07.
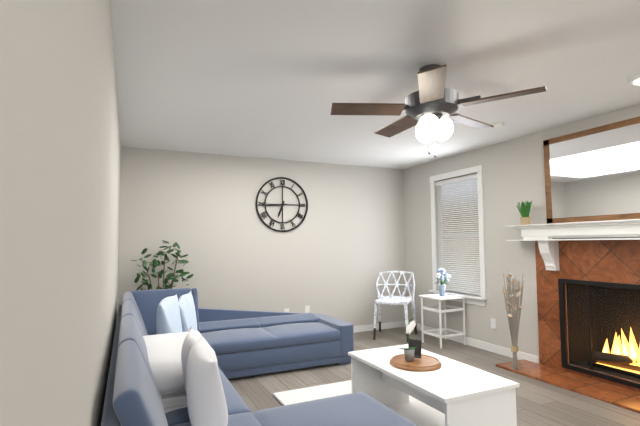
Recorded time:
6h44
